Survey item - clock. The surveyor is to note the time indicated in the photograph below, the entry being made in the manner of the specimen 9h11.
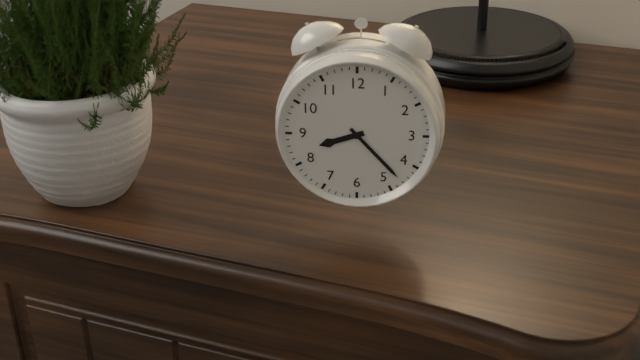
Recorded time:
8h23
